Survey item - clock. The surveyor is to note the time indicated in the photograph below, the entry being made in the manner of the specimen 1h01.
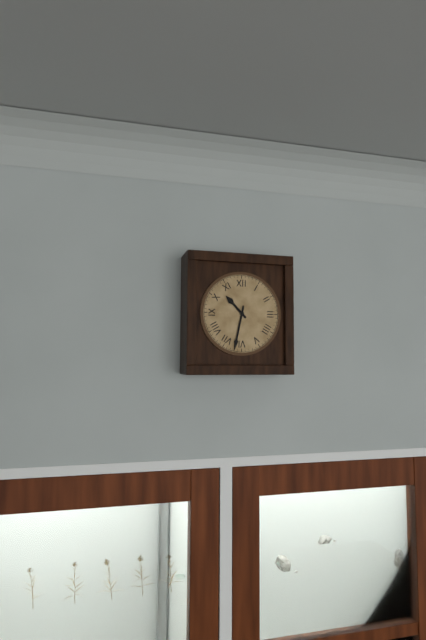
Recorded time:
10h32
